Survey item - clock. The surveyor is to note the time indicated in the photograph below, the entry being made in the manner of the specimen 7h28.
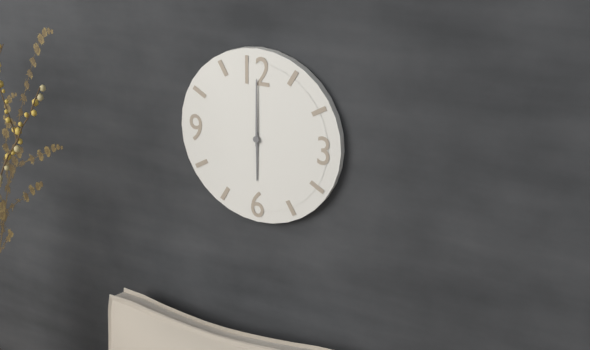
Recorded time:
6h00
